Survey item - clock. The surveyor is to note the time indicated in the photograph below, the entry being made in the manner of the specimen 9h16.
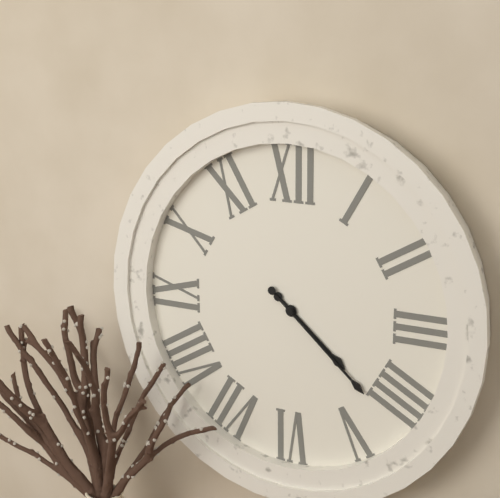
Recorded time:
4h22
